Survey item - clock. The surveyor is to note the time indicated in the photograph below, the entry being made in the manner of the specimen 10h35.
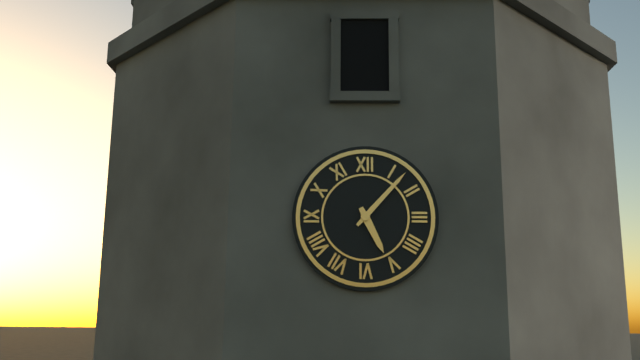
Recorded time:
5h07
